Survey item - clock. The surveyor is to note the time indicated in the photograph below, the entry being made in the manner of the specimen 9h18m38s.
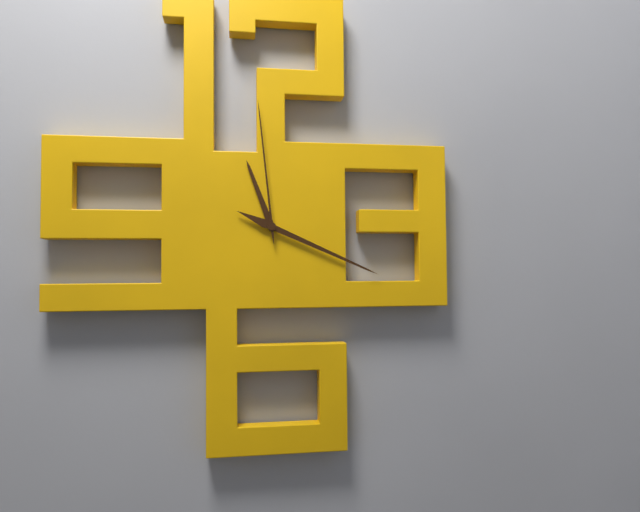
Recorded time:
11h19m59s
